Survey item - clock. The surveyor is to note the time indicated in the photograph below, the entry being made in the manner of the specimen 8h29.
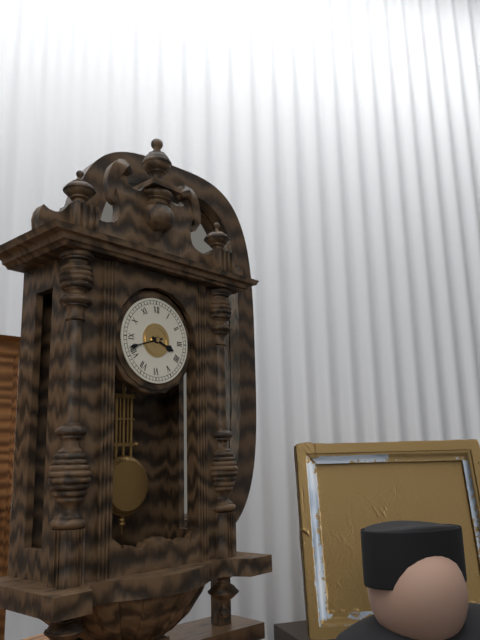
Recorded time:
3h42
